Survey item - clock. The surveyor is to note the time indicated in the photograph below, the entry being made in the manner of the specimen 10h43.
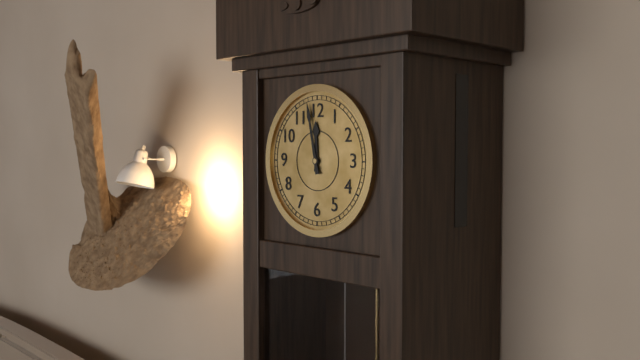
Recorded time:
11h58
